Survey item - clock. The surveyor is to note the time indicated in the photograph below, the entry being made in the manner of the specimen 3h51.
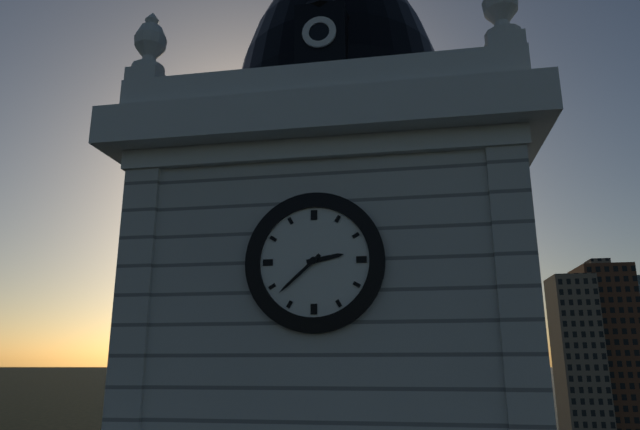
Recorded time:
2h38
